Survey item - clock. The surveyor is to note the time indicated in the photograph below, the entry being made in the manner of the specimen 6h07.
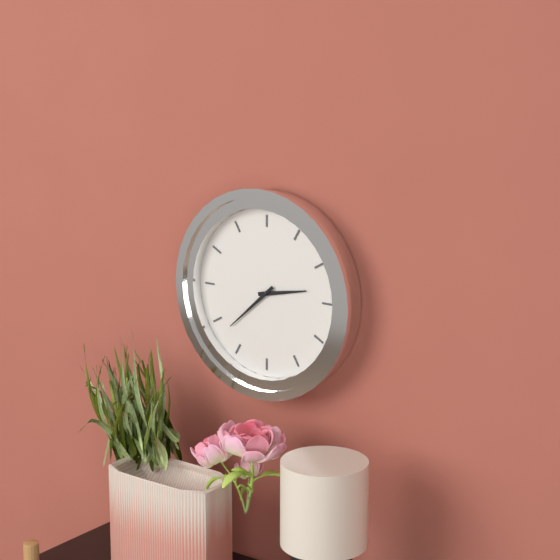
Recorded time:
2h38
